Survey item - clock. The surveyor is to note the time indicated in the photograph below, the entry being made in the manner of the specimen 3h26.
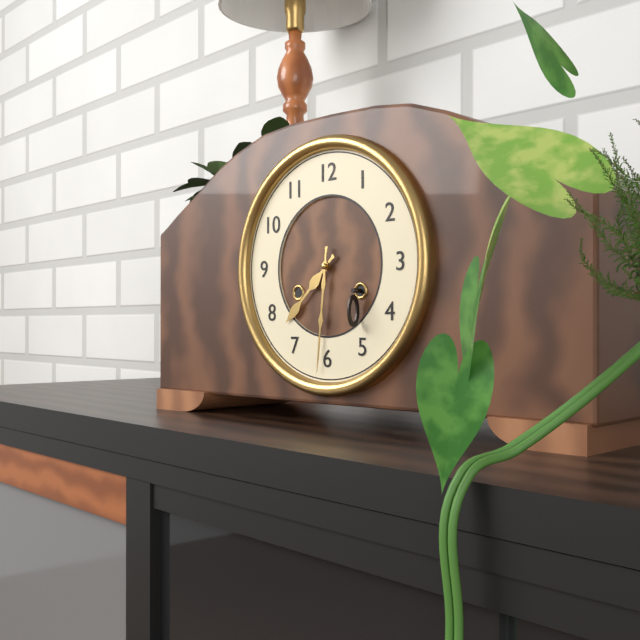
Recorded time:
7h31
